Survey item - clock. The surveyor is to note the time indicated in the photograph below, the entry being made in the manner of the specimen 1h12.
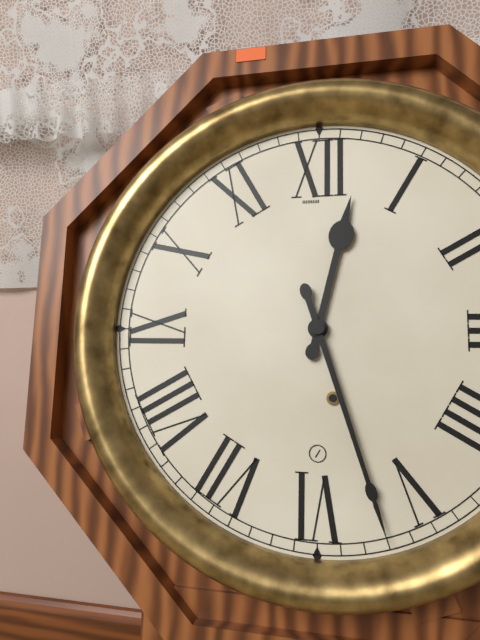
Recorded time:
12h27
